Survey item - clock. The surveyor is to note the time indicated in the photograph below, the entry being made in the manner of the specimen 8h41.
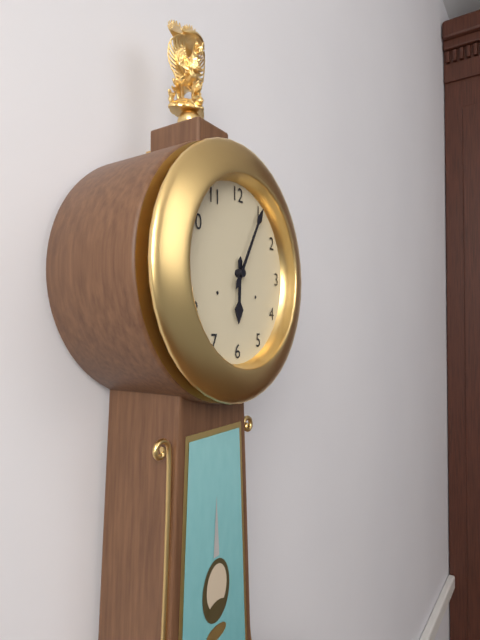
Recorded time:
6h05
